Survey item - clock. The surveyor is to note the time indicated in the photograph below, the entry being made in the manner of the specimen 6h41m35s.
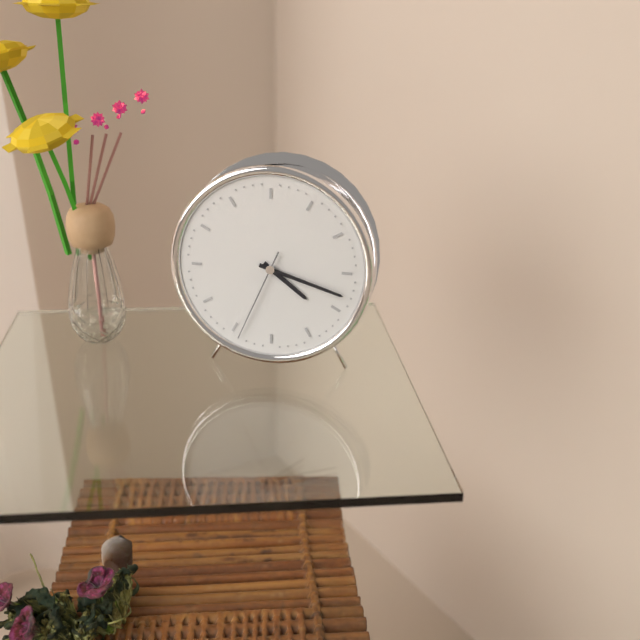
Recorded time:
4h18m34s
